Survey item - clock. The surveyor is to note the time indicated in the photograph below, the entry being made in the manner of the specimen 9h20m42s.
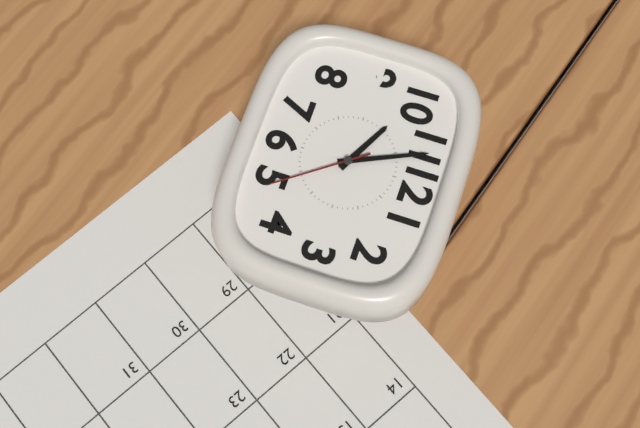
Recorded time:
9h56m24s
